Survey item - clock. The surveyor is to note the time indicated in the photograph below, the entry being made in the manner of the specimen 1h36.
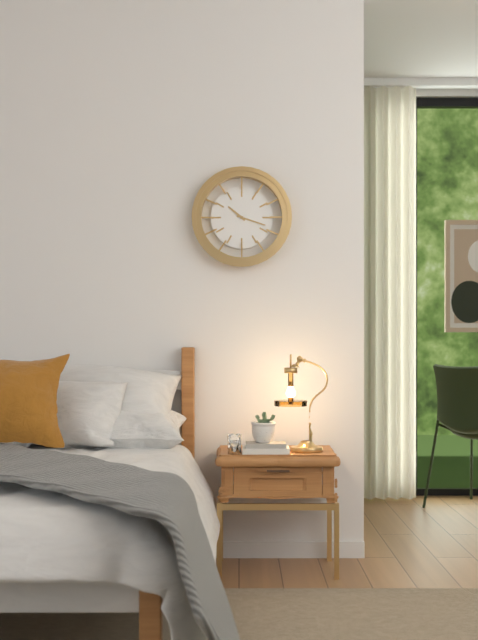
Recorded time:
10h18
